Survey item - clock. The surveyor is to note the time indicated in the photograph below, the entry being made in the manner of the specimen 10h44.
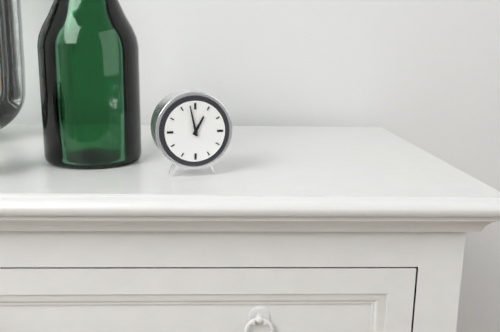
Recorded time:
12h58
